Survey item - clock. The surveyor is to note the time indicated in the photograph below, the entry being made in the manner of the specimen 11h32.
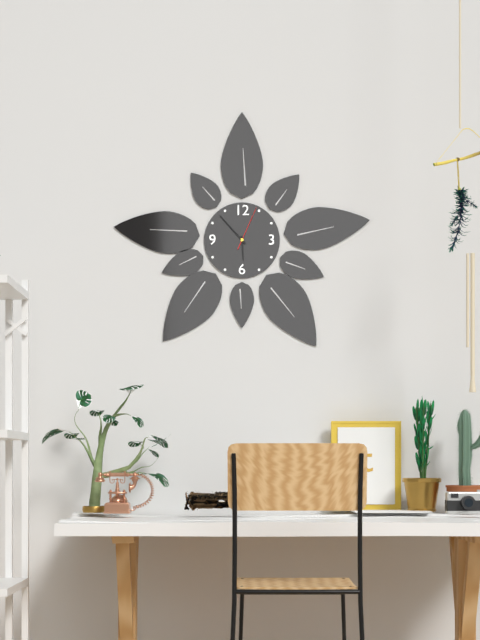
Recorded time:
5h53
